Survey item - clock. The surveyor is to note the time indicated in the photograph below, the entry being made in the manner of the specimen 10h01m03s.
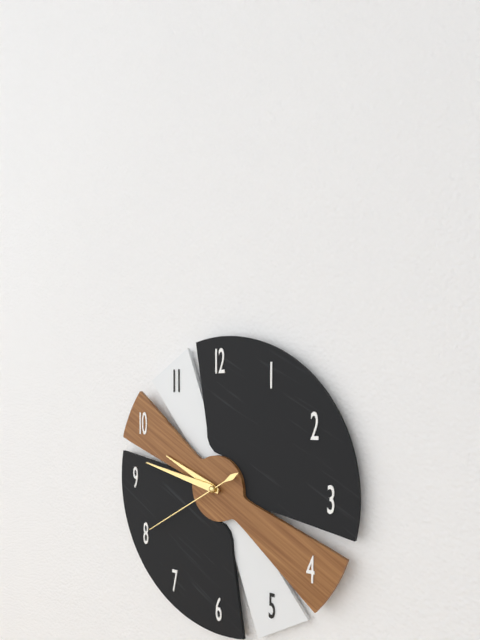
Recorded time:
9h47m40s
